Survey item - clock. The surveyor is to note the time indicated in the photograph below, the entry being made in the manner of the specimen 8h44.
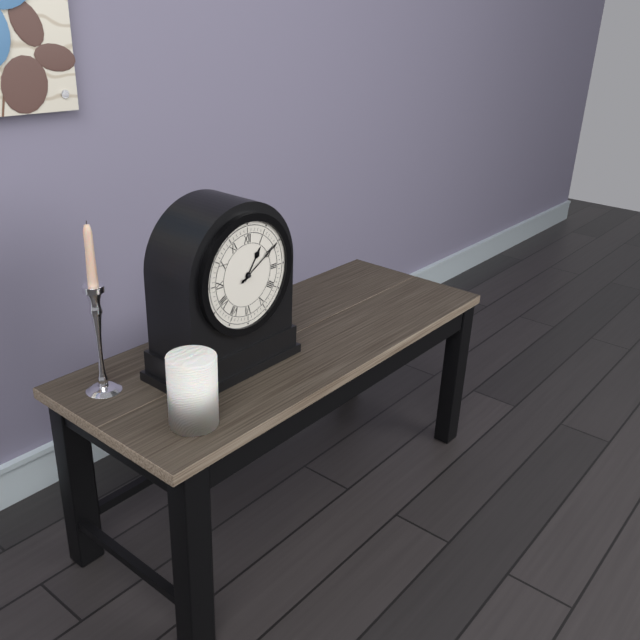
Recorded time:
1h10
